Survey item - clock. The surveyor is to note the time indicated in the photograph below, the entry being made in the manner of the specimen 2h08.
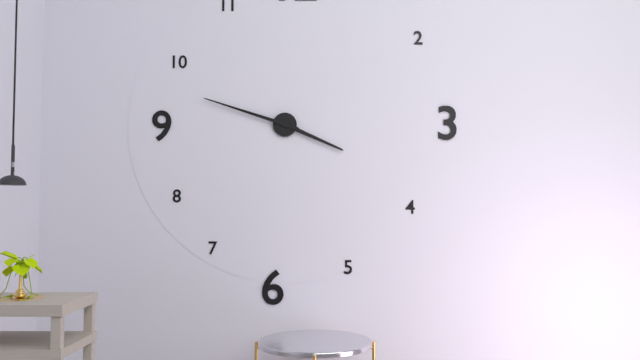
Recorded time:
3h48
